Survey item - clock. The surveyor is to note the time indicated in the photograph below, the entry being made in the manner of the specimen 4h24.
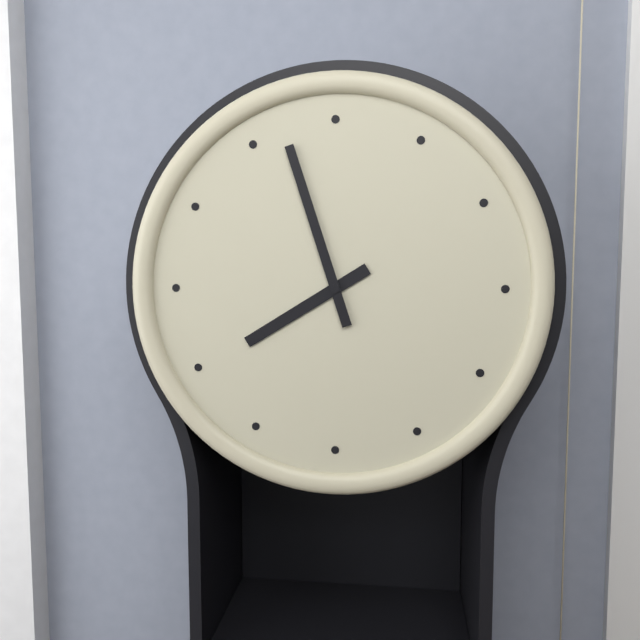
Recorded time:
7h57
